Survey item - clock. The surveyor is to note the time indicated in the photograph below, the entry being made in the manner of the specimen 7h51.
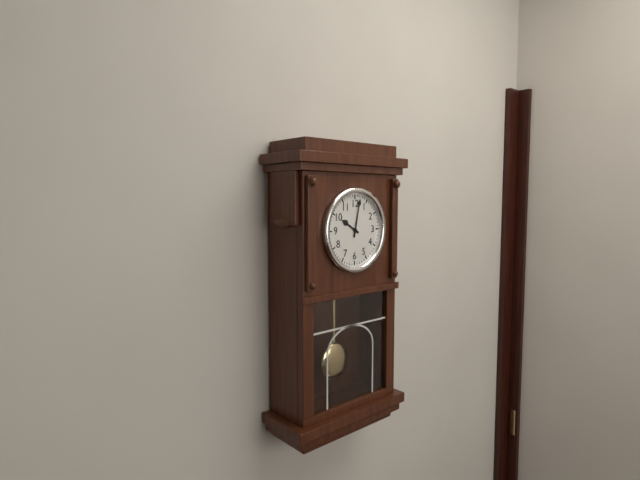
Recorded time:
10h02
